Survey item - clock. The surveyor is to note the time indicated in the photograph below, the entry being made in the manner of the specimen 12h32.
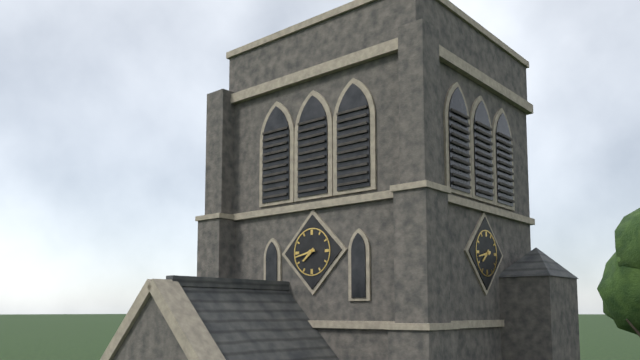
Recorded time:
7h43
